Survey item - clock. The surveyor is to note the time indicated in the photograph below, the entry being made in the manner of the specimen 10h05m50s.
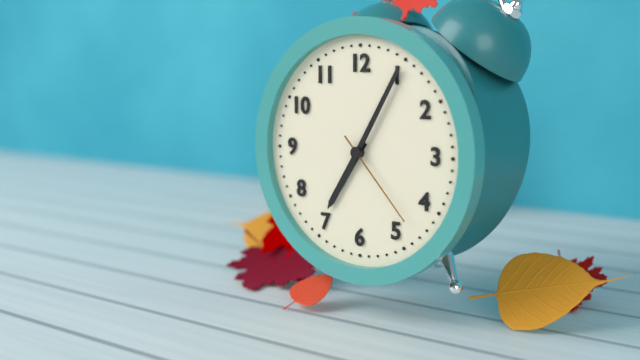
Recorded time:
7h05m23s
